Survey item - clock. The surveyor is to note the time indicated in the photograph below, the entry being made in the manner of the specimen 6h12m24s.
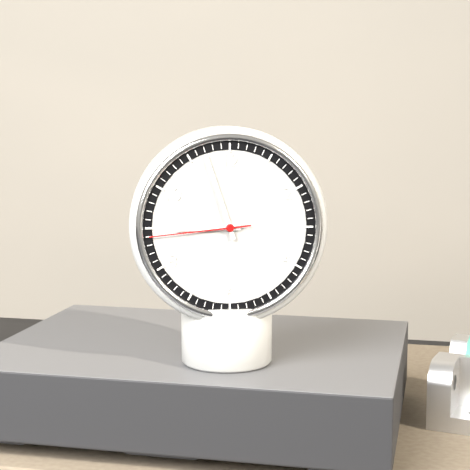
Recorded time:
8h57m44s
